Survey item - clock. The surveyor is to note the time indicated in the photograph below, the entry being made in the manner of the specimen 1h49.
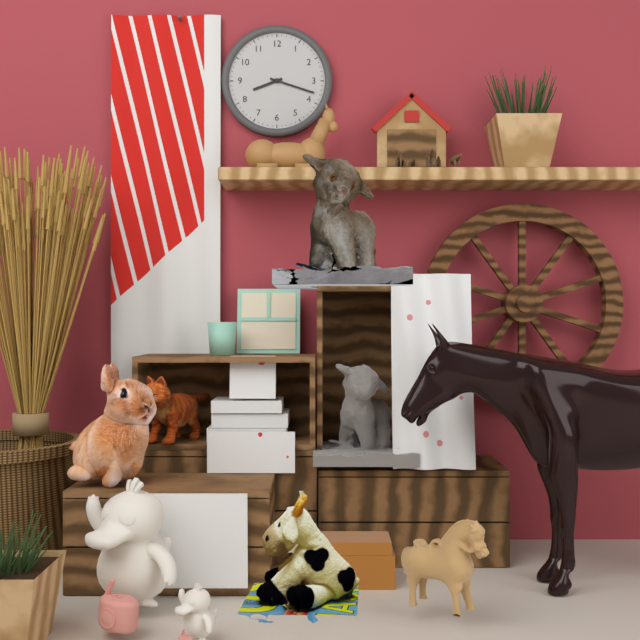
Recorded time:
8h18
